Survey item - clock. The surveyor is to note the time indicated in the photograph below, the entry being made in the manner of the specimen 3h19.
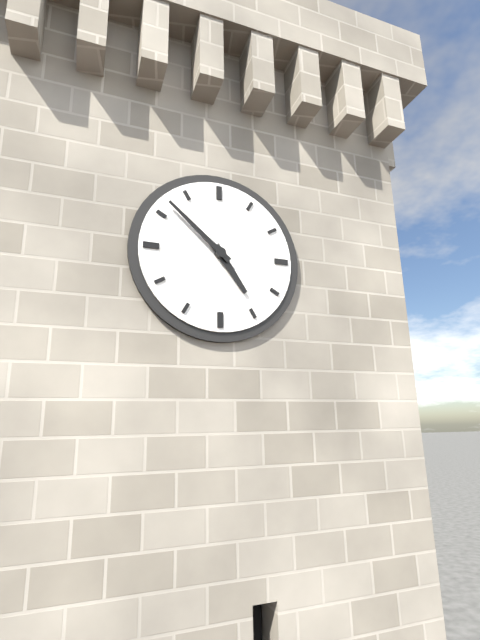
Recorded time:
4h52
